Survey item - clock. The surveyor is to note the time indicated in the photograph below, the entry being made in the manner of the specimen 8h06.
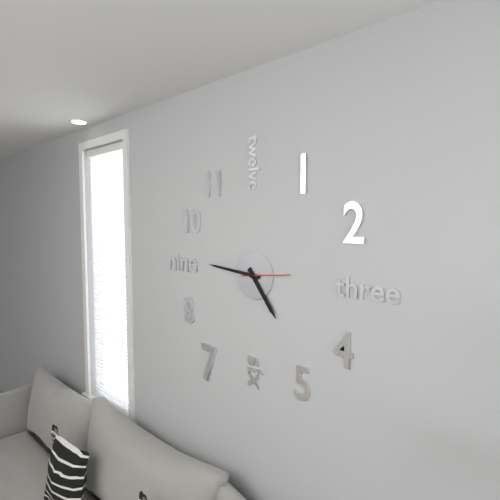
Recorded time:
4h46
